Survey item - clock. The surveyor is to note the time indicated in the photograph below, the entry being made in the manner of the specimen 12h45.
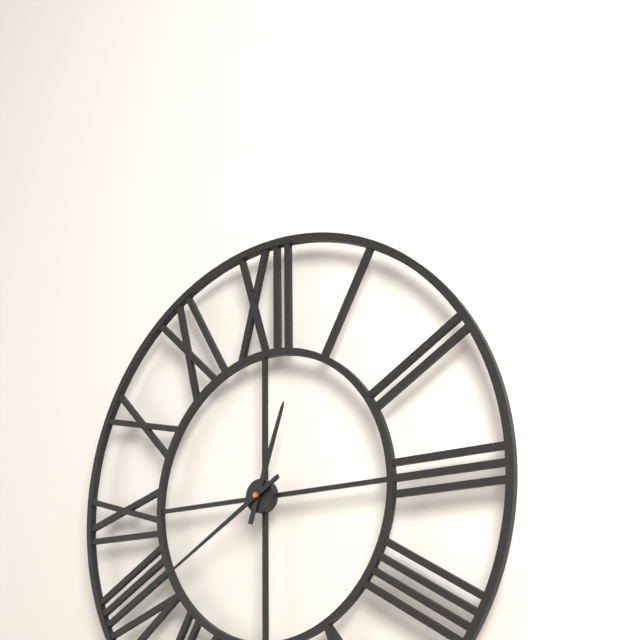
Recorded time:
12h40
